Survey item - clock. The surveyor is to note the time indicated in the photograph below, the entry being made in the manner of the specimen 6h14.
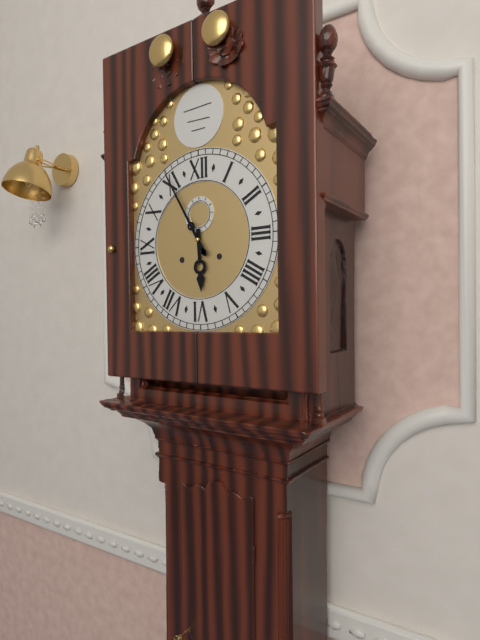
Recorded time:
5h55
